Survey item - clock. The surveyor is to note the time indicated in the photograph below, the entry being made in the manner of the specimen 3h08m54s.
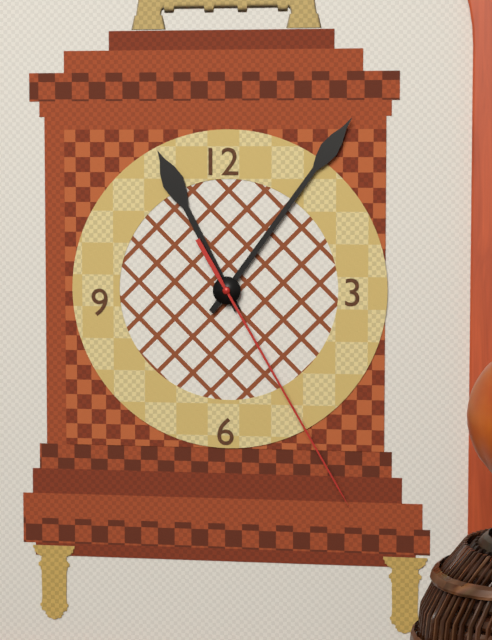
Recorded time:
11h06m25s
